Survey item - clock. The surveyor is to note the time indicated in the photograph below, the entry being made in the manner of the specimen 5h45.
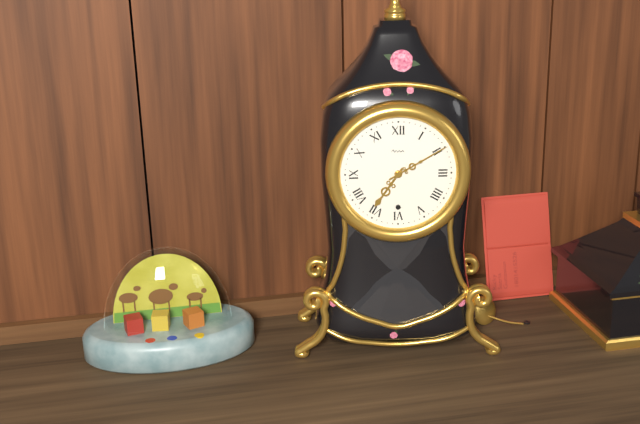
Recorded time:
7h10
